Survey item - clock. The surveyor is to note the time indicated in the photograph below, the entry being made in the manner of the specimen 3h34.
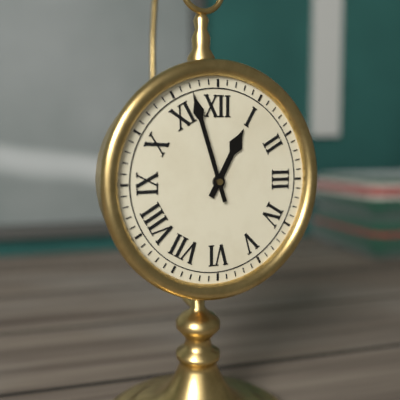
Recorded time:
12h57
